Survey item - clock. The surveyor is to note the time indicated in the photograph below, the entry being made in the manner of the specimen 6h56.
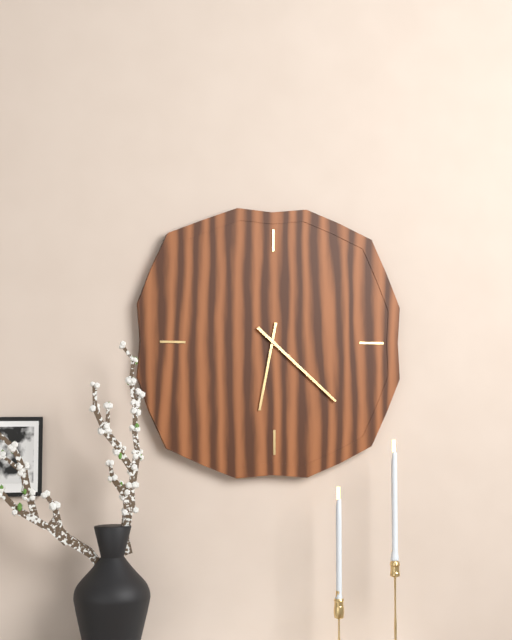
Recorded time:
6h22
